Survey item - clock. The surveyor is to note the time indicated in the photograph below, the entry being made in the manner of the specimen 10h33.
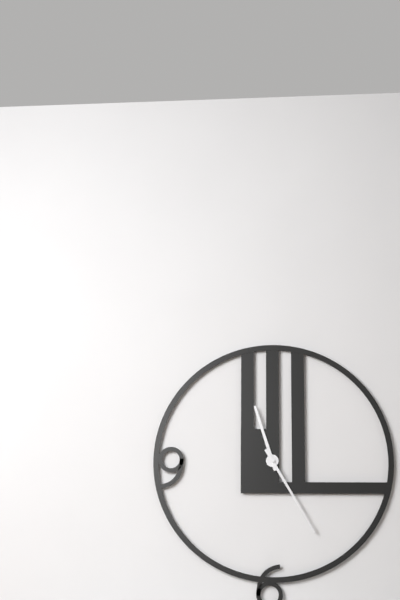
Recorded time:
11h25
